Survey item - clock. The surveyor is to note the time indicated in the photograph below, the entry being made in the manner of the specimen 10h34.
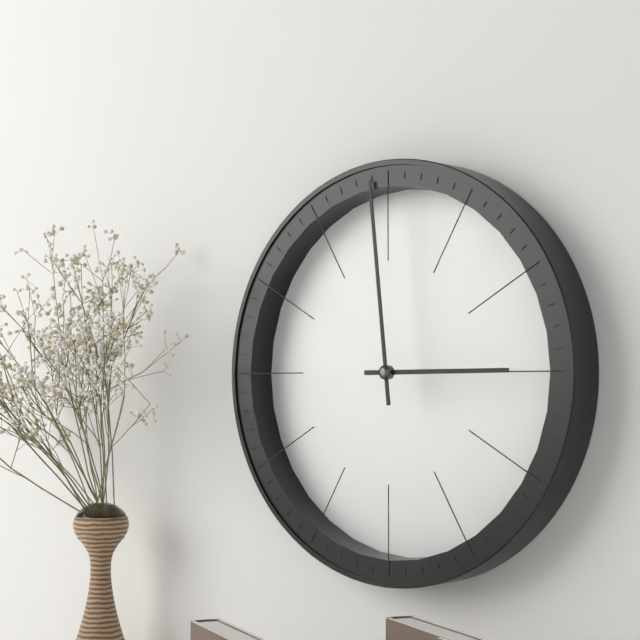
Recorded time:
2h59
